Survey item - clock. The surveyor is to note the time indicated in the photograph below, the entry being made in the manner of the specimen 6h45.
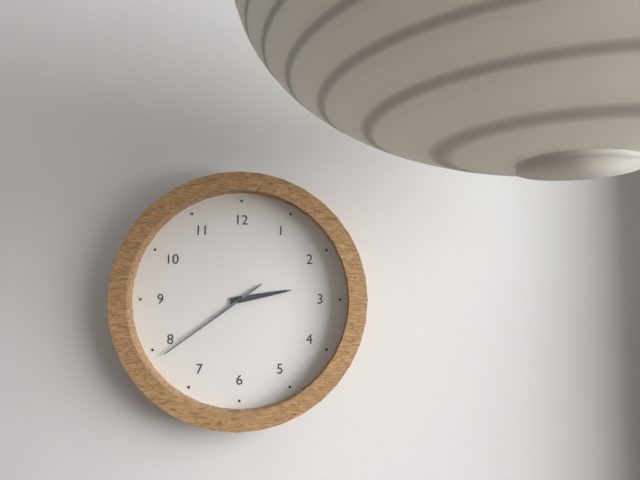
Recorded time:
2h39
